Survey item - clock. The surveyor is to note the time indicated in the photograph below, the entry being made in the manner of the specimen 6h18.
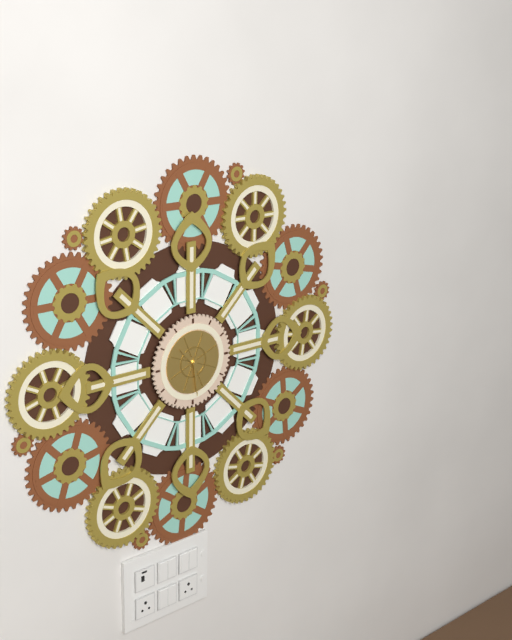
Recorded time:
10h29
